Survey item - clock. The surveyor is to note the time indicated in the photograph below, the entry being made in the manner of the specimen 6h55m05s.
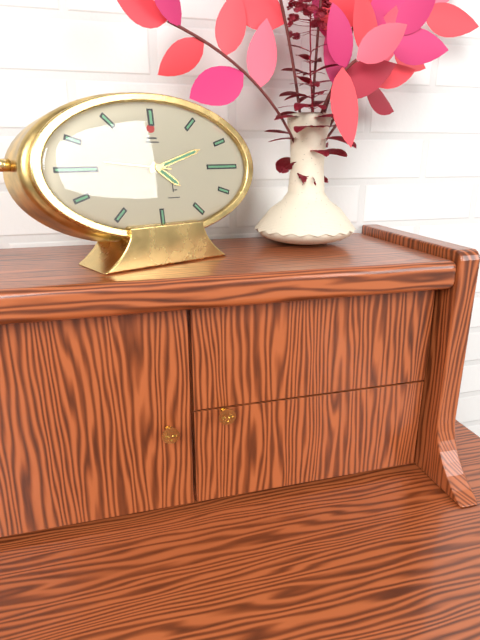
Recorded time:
4h12m46s
